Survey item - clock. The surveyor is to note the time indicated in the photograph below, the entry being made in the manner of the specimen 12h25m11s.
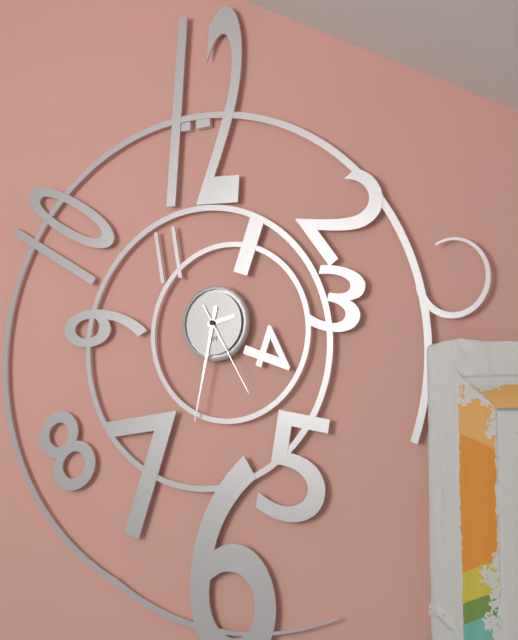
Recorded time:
2h32m25s
